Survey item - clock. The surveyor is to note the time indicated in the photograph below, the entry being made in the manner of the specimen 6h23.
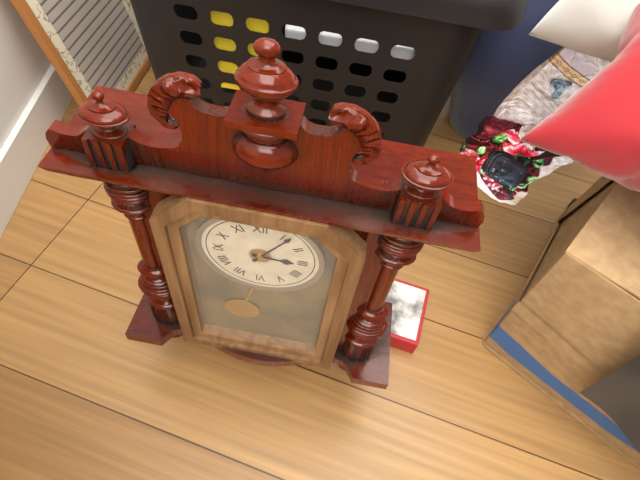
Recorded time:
3h06
